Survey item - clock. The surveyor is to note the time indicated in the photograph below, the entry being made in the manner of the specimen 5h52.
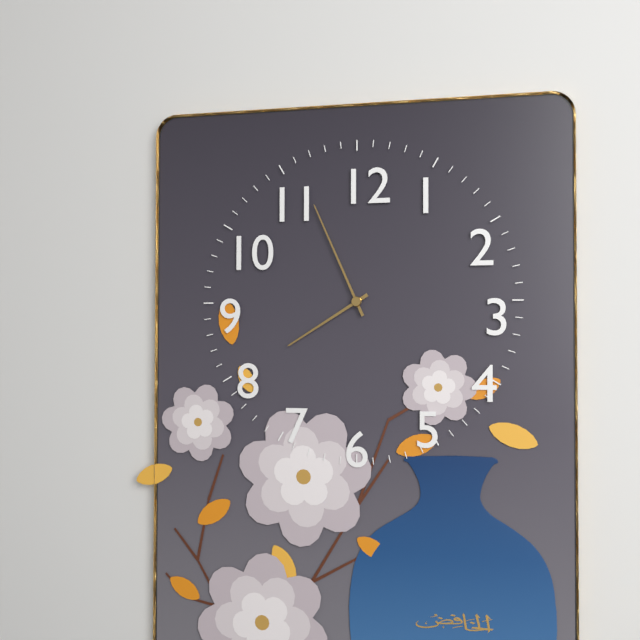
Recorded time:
7h56
